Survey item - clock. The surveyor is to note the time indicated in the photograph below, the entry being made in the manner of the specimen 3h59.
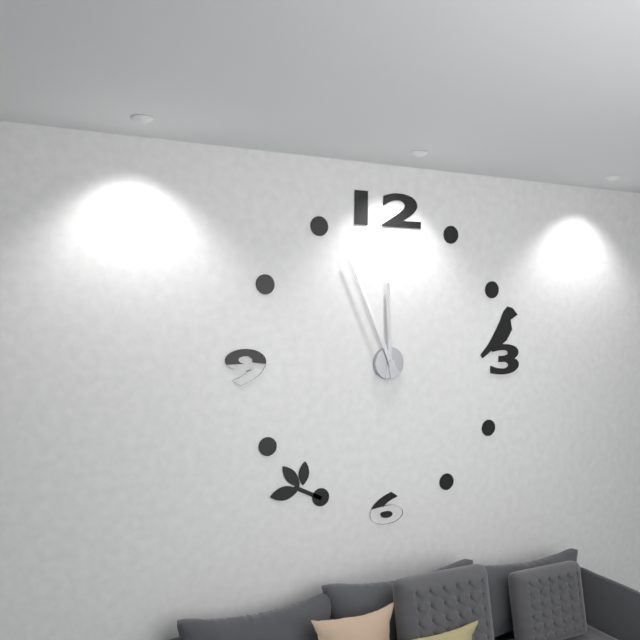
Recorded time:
11h56
